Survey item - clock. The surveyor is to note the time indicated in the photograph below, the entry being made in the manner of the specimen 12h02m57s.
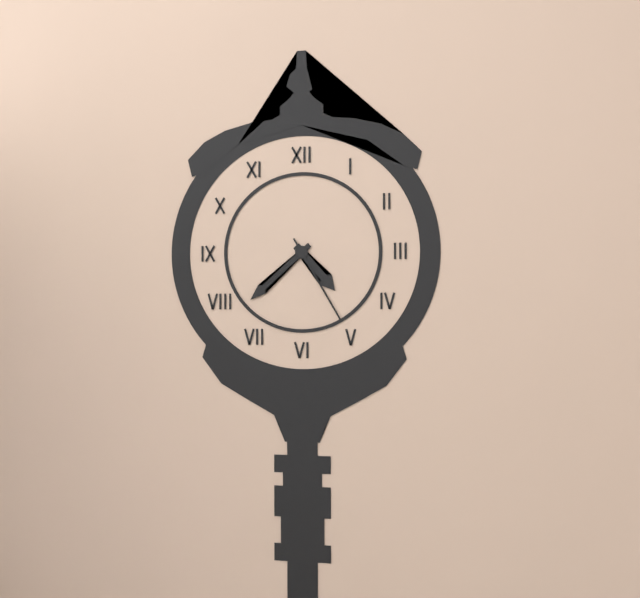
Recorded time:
4h38m25s
